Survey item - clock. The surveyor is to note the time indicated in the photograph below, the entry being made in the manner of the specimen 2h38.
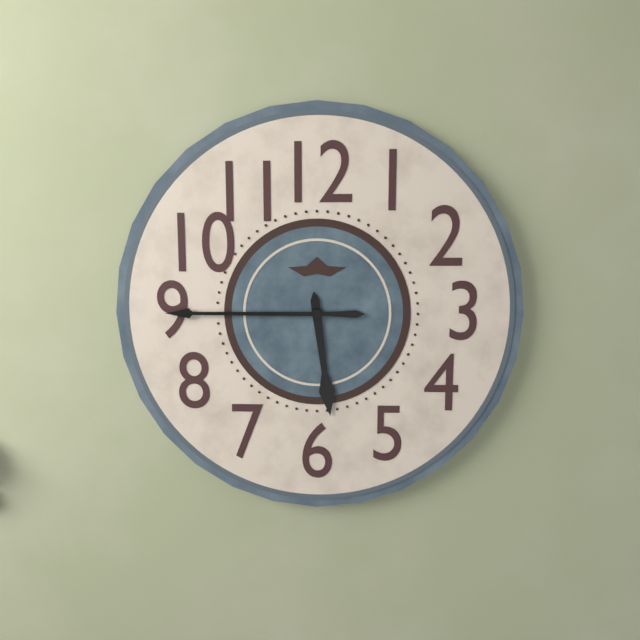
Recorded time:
5h45
